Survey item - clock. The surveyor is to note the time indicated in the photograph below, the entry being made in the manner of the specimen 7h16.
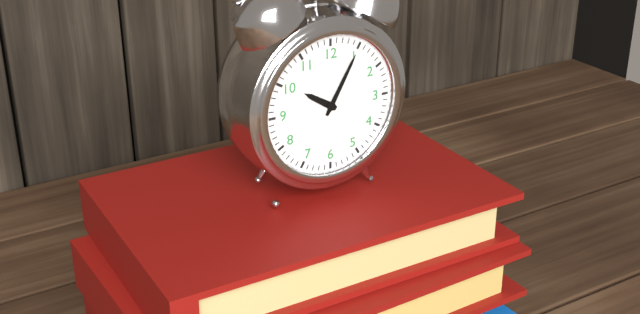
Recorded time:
10h05
